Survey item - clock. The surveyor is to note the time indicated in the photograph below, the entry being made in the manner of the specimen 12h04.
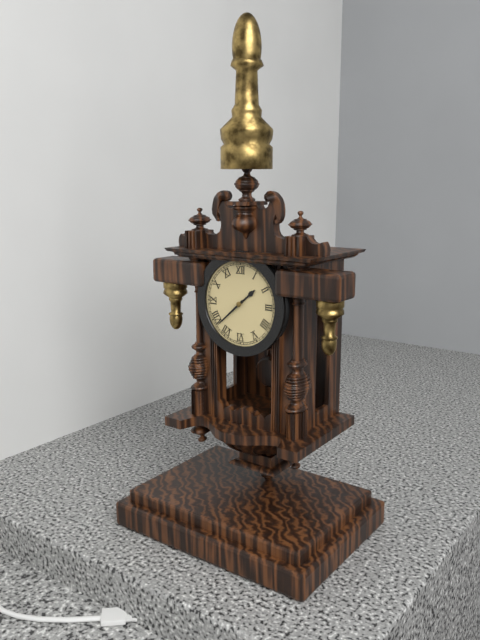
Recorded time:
1h38
